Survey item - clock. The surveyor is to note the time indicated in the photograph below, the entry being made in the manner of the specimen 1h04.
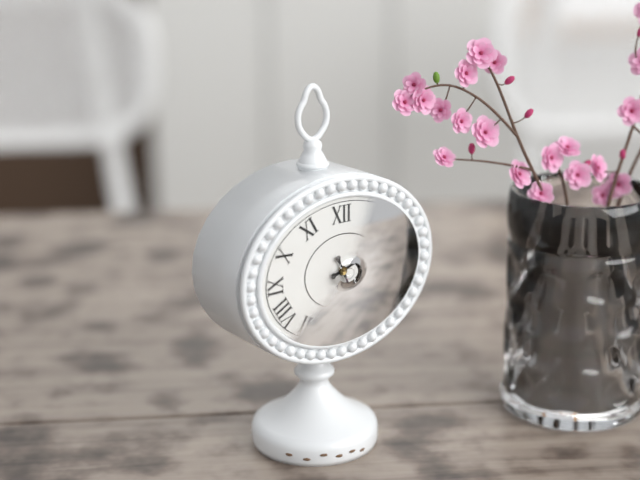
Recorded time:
2h26
